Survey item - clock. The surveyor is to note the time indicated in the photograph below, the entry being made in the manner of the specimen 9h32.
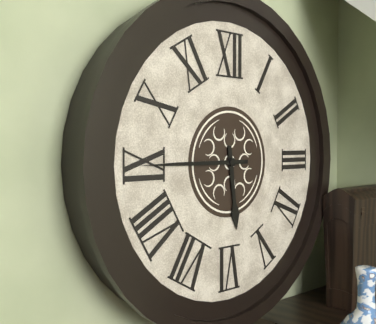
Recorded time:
5h45
